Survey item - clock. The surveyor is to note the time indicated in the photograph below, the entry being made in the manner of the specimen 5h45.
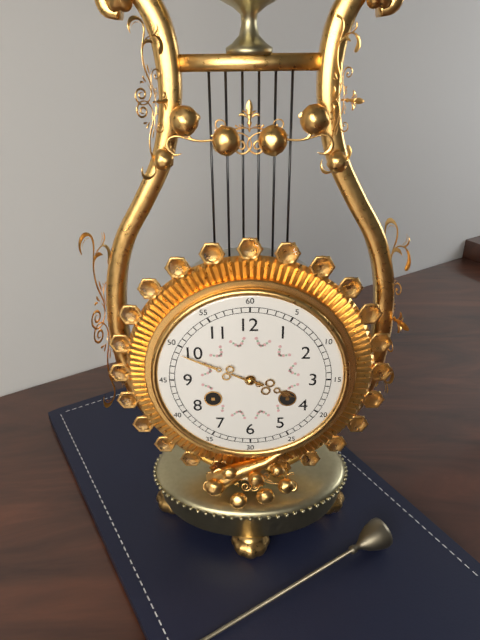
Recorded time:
3h49
